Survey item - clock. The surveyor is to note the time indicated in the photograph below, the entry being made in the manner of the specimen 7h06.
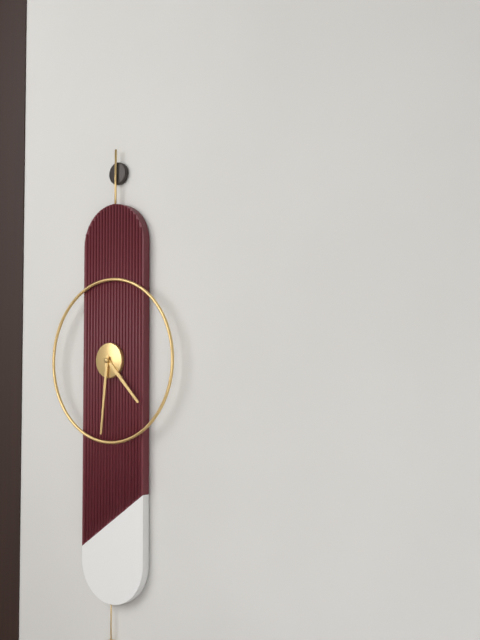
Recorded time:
4h31
